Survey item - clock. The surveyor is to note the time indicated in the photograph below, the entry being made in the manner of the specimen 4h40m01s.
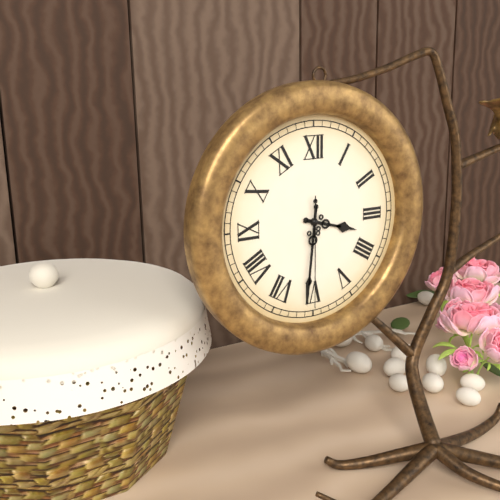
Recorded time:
3h31m30s
